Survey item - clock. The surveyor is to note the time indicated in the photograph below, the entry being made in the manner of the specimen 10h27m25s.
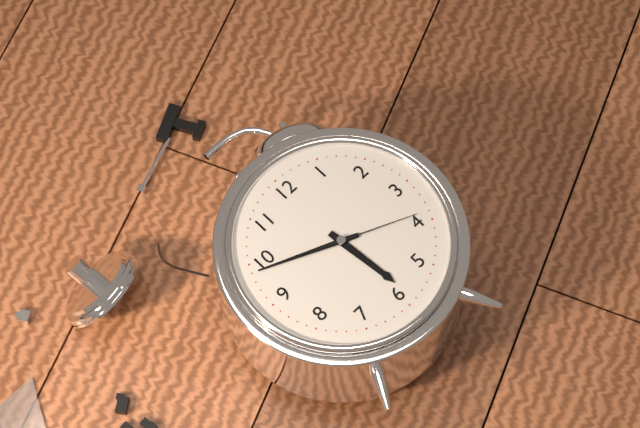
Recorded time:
5h49m19s
